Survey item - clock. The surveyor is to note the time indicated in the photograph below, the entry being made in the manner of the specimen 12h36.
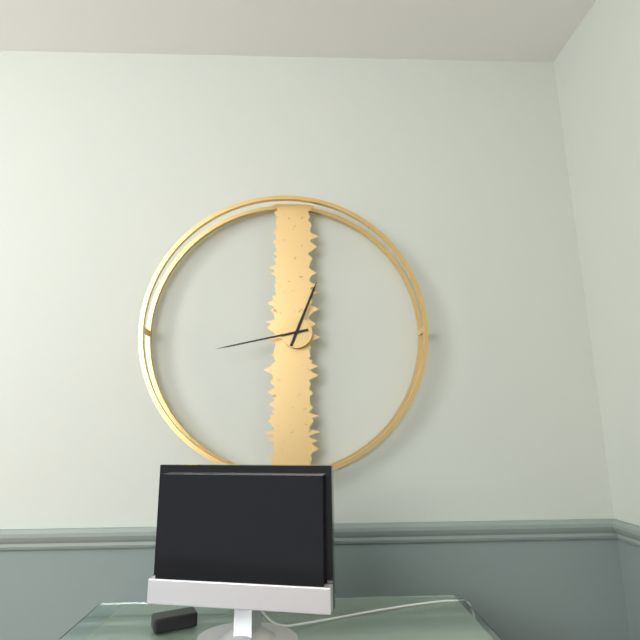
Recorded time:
12h43
